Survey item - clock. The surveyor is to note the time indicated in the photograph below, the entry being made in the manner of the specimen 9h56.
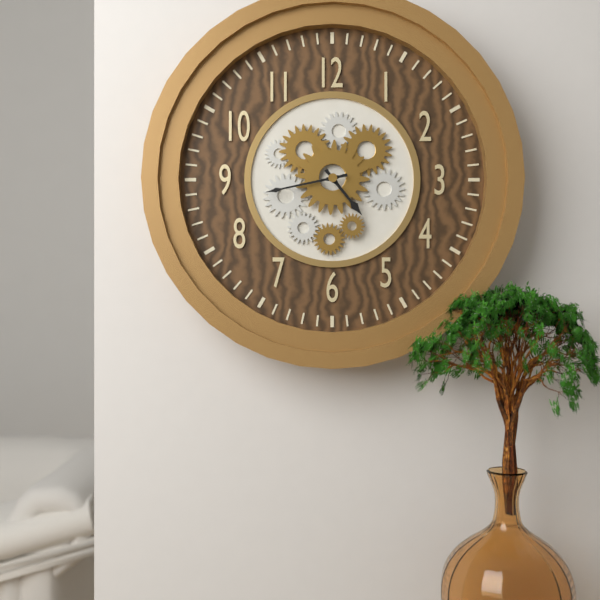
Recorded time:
4h43
